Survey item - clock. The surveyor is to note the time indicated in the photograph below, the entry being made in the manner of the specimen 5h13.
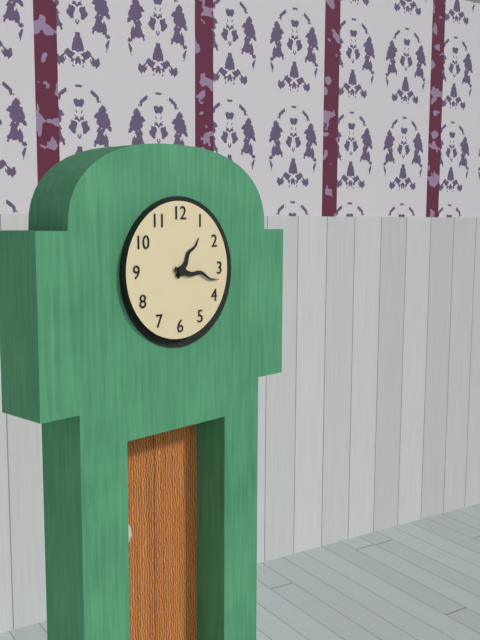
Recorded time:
1h17
